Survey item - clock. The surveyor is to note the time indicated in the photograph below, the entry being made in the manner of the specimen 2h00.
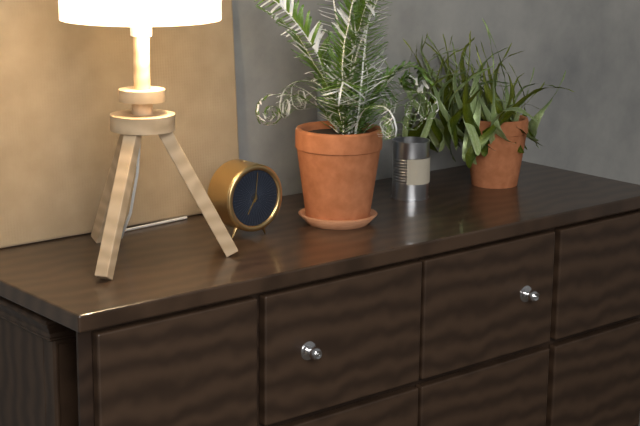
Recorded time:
7h01
